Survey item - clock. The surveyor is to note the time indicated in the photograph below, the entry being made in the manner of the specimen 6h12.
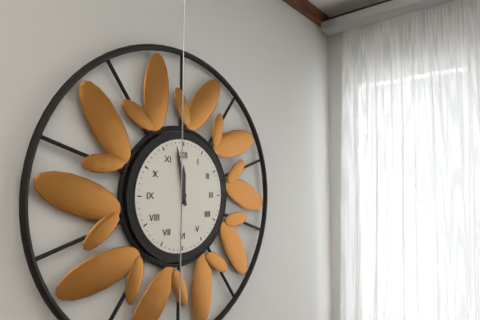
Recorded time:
11h58
